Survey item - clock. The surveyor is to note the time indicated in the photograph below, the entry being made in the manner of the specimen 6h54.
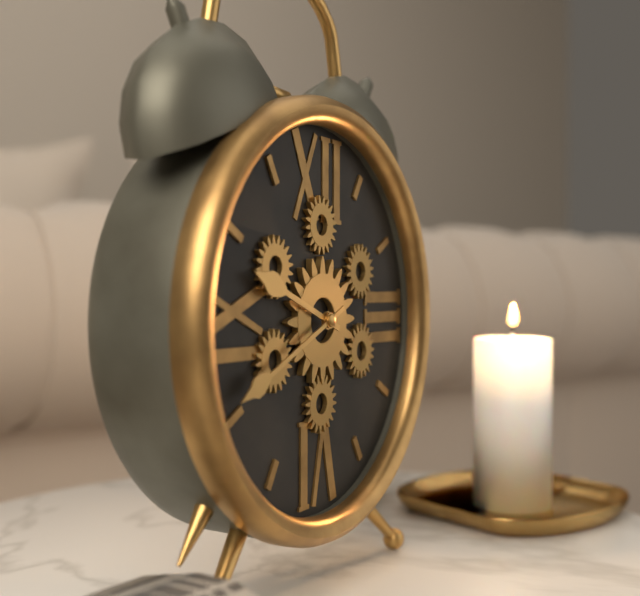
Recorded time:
9h41
